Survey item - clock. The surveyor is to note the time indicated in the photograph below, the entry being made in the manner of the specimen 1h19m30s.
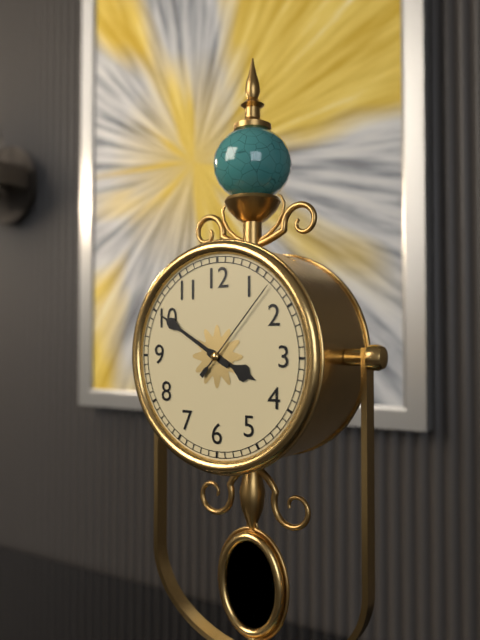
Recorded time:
3h50m07s
